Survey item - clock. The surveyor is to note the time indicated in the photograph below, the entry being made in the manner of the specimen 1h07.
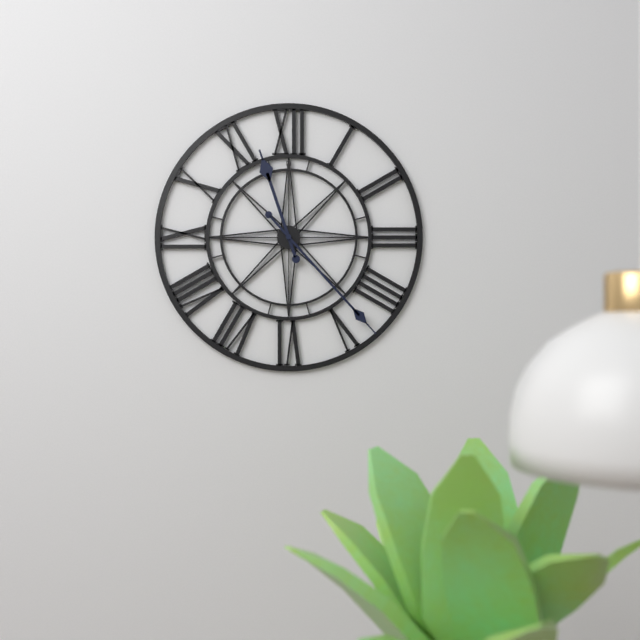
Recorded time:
11h23
